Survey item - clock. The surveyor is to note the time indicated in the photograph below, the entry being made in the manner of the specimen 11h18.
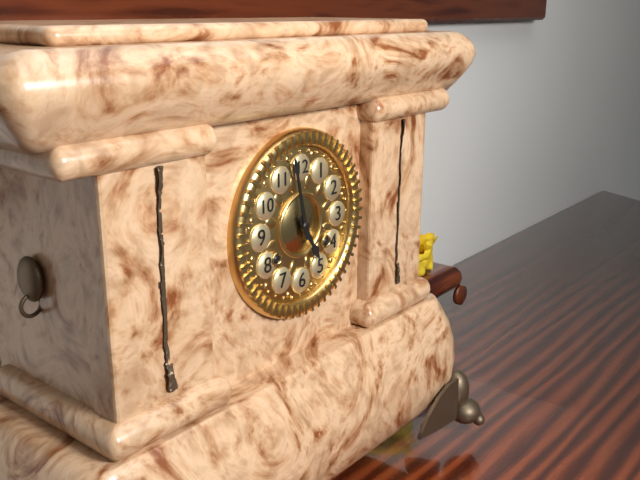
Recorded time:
4h58
